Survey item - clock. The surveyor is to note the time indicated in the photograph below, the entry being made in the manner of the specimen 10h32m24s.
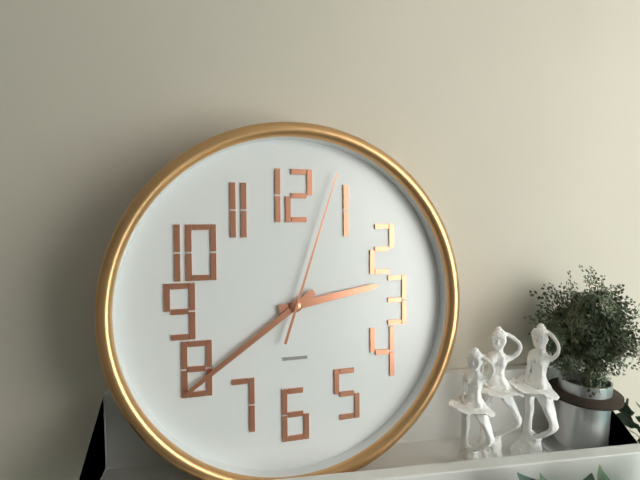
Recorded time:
2h39m03s
